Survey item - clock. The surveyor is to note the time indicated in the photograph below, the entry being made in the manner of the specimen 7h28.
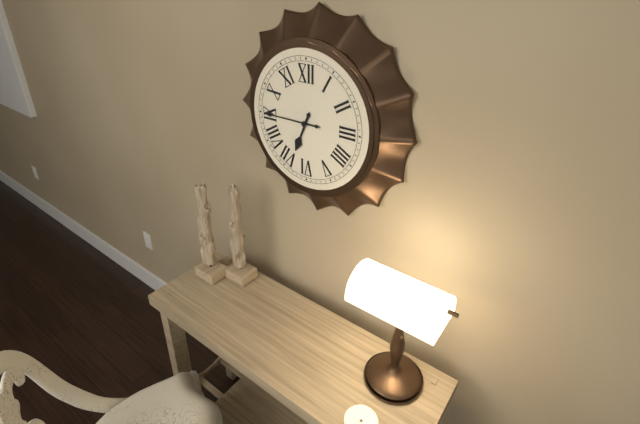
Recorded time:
6h45
